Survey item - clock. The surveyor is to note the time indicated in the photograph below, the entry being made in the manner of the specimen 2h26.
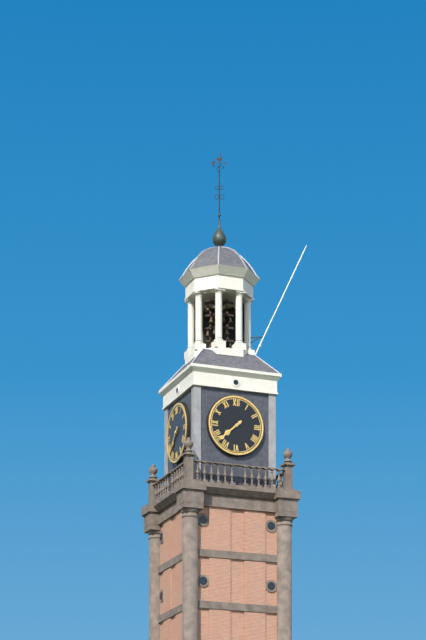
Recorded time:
7h38
